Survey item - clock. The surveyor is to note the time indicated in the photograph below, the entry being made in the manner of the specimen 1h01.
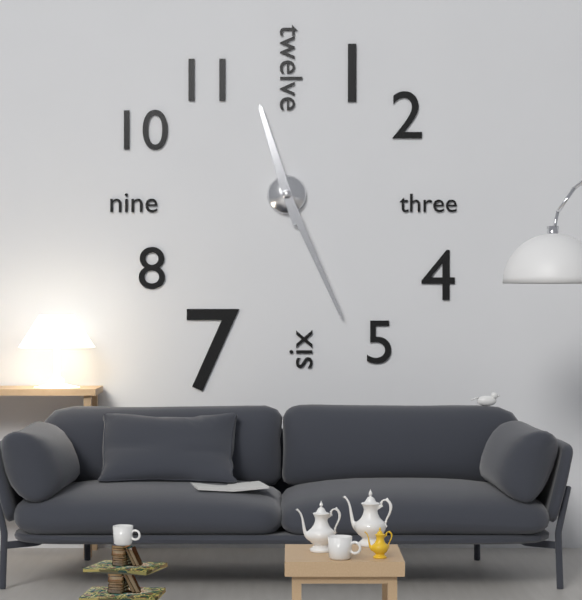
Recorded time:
11h26
